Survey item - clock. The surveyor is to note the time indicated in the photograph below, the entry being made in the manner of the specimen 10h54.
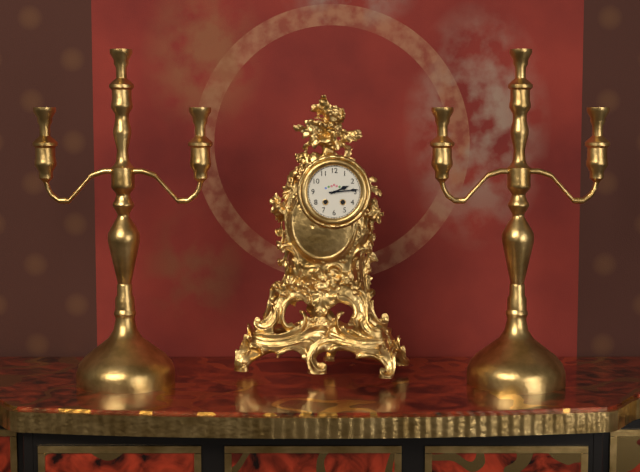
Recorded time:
2h14
